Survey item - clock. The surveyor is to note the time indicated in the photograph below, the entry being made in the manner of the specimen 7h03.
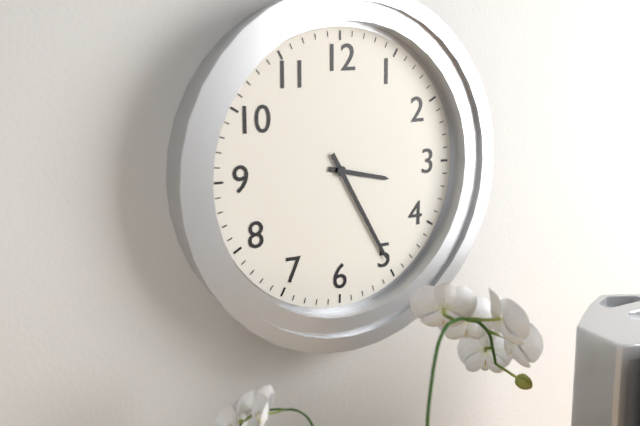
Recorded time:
3h25
